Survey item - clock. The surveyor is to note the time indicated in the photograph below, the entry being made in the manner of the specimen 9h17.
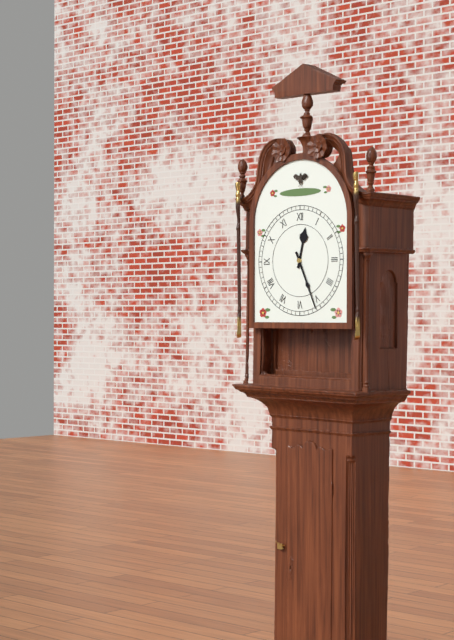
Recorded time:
12h26
